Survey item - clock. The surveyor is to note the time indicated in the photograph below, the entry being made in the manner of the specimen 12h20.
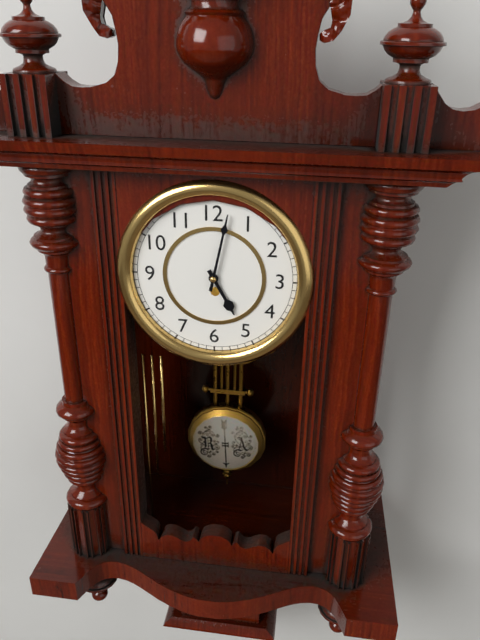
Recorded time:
5h02
